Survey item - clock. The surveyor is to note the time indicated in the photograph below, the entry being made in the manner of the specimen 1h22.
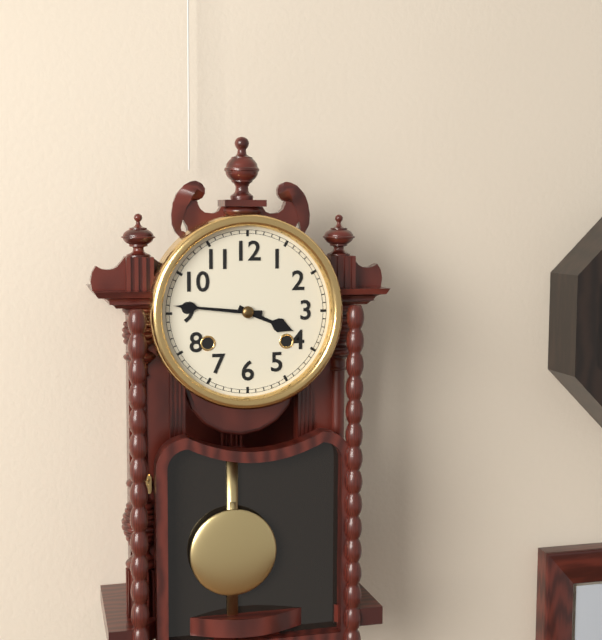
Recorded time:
3h46
